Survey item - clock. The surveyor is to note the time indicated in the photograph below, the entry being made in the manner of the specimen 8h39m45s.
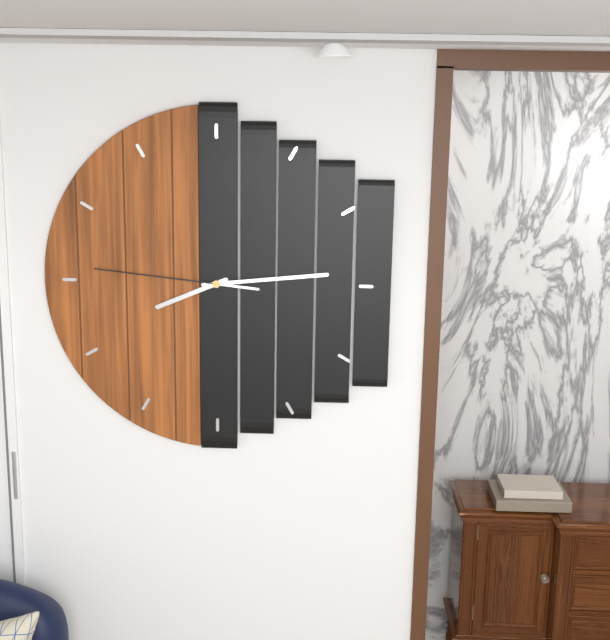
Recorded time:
8h14m46s
